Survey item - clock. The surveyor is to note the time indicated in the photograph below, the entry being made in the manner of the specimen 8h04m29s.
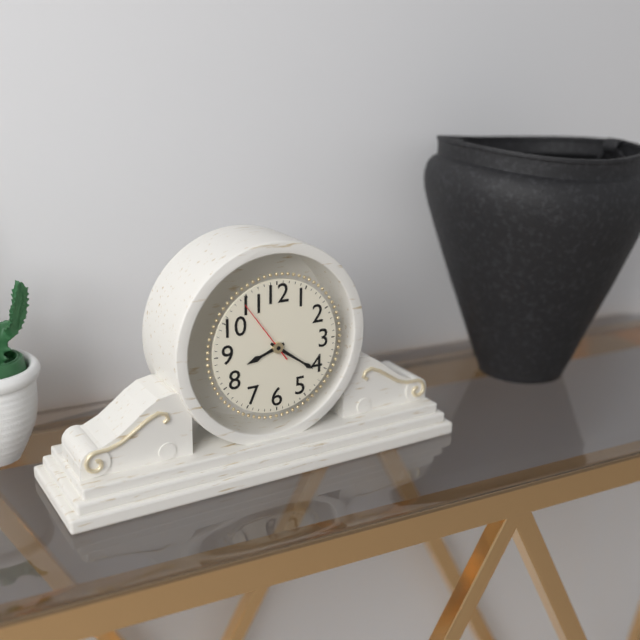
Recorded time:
8h21m54s
